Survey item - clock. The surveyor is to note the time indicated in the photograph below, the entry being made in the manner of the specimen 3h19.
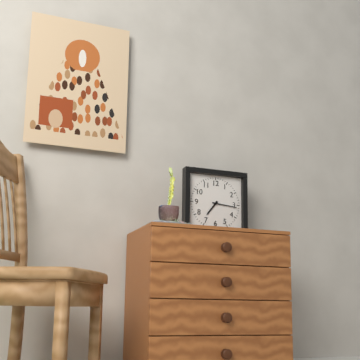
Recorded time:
7h16
